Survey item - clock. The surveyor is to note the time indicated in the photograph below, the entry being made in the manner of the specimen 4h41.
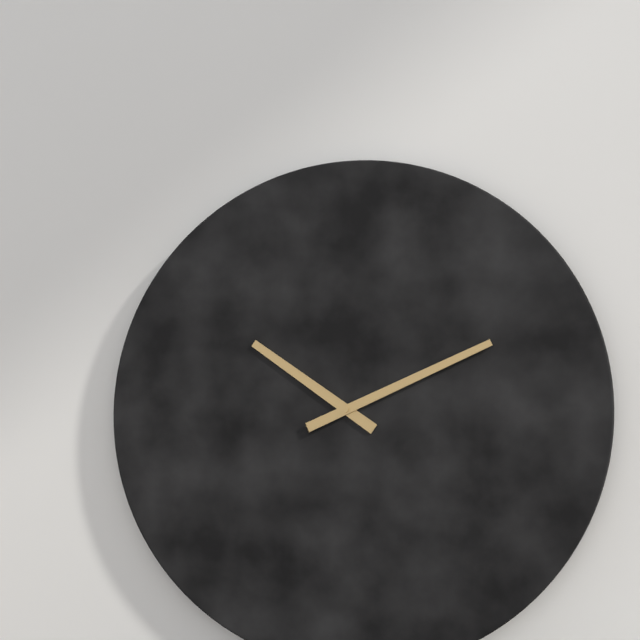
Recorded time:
10h11
